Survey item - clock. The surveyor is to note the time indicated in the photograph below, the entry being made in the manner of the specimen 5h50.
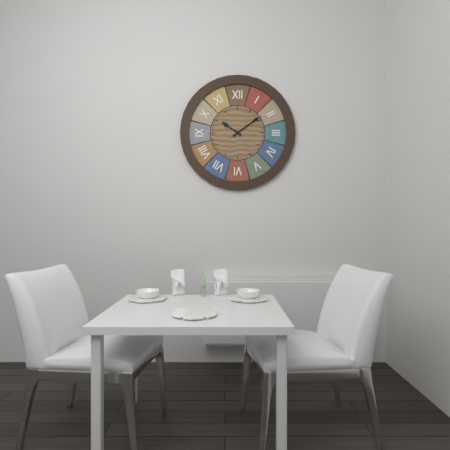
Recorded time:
10h09
